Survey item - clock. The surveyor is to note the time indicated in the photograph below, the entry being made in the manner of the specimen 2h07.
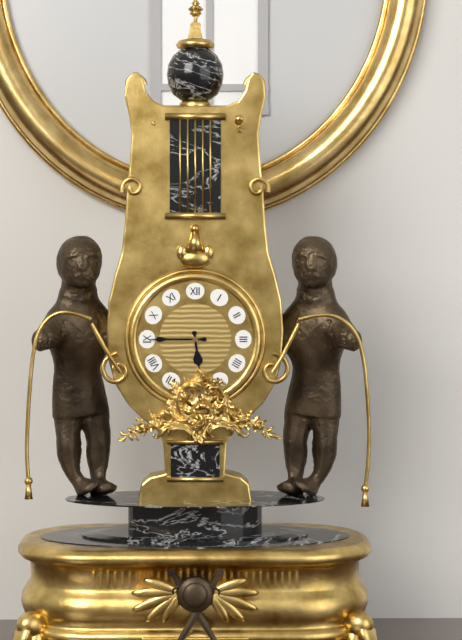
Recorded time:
5h45
